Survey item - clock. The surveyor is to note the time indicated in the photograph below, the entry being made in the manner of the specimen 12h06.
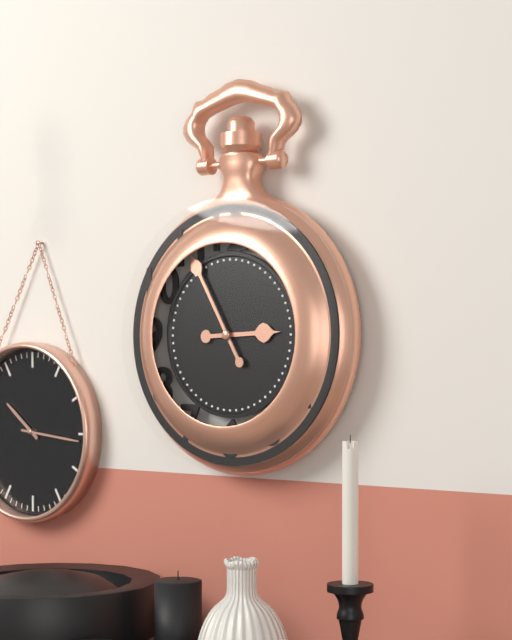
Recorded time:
2h55
